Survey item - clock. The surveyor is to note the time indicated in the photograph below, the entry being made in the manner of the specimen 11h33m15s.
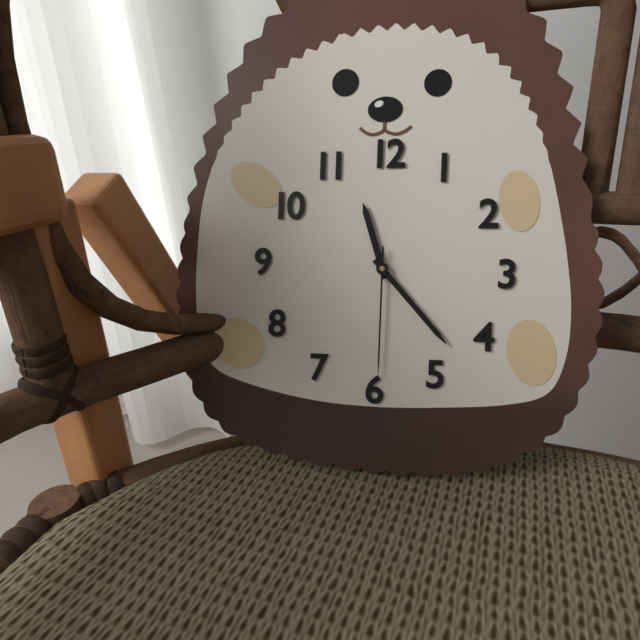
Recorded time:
11h23m30s
